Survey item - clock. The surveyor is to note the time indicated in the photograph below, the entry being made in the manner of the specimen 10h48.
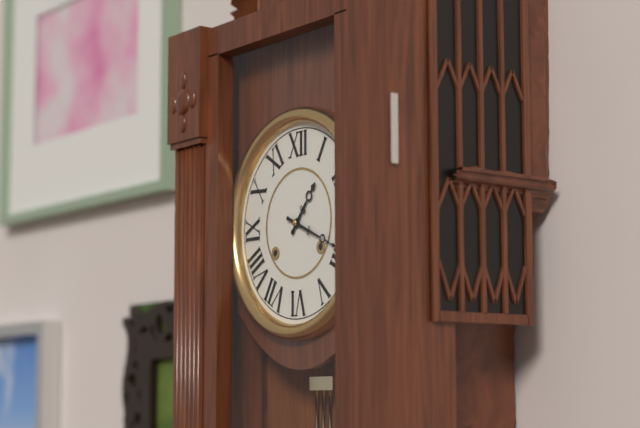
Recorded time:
1h19
